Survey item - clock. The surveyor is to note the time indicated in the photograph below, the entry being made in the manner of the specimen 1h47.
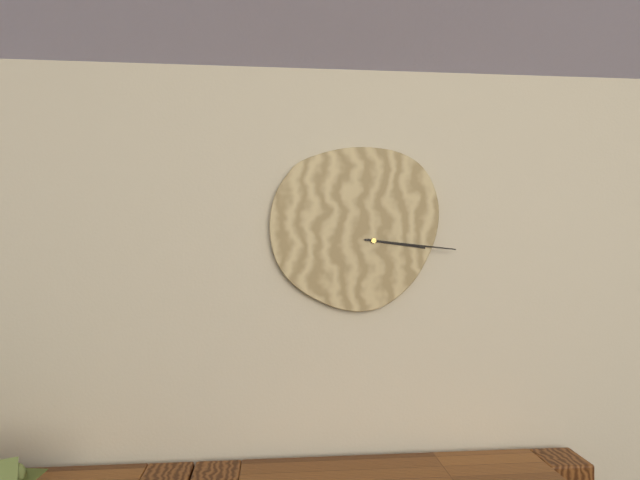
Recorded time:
3h16
